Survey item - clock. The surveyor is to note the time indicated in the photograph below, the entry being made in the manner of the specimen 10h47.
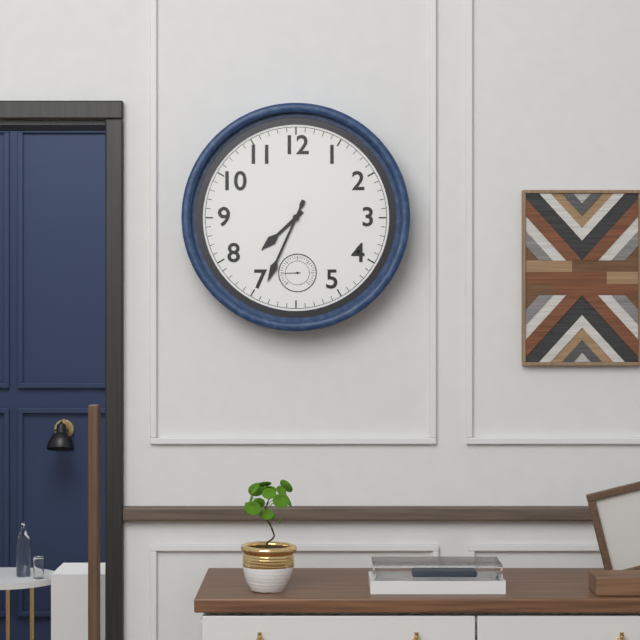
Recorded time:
7h34
